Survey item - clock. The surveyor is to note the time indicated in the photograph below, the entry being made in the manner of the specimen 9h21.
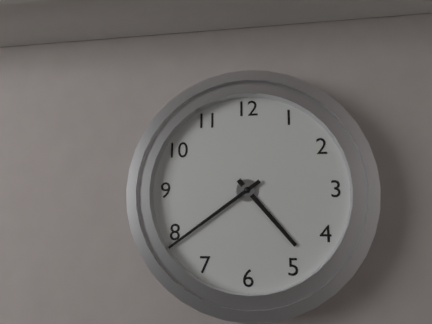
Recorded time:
4h39
